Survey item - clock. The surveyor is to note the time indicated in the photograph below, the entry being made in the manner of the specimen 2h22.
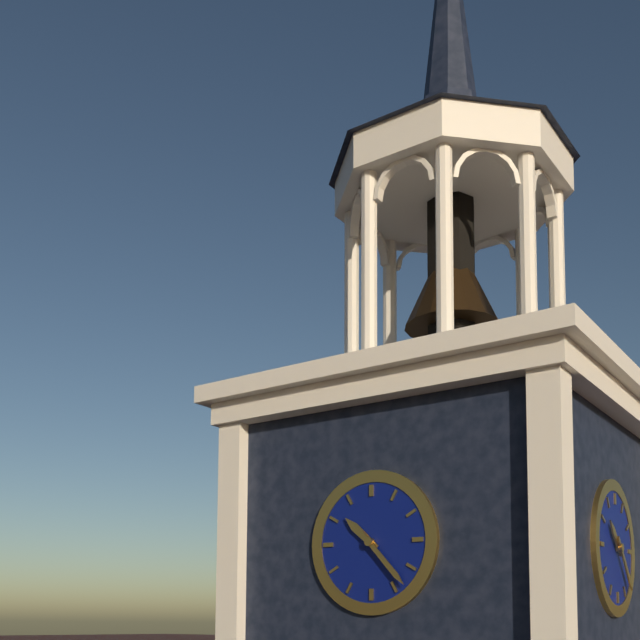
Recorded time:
10h23
